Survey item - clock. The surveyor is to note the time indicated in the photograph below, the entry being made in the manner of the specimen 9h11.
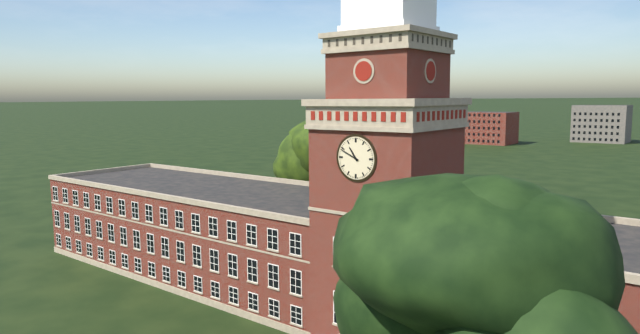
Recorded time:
10h49
